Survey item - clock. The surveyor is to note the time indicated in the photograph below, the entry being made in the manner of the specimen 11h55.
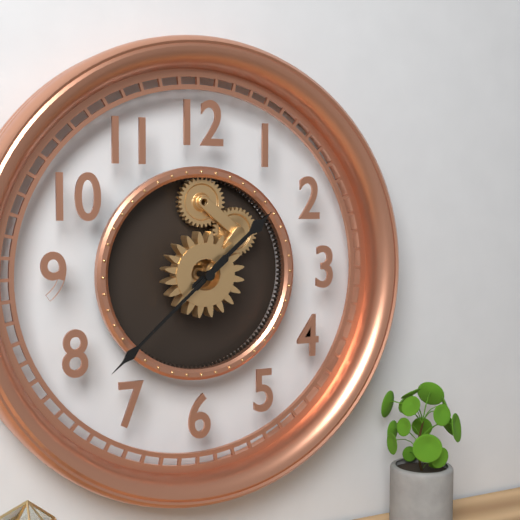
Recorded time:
1h38
